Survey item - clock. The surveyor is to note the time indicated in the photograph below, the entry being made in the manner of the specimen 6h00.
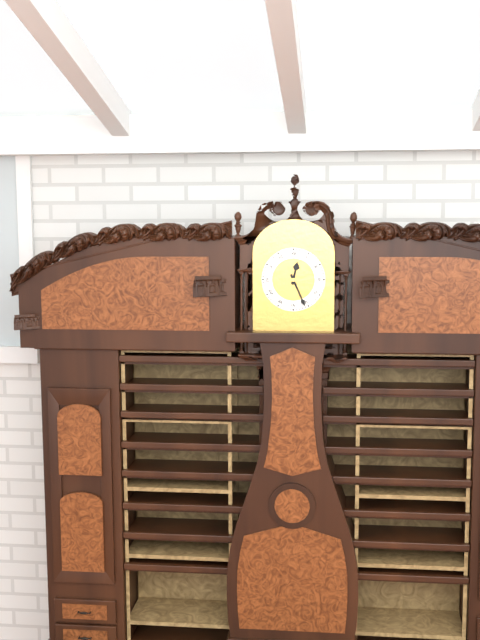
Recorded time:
12h26
